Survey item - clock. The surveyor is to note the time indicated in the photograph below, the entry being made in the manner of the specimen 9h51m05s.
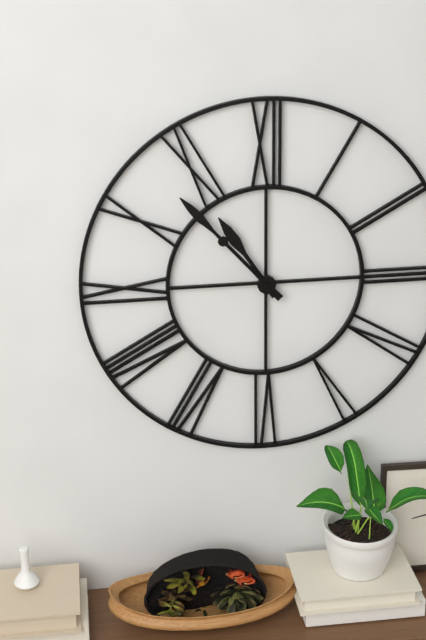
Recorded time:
10h53m53s
